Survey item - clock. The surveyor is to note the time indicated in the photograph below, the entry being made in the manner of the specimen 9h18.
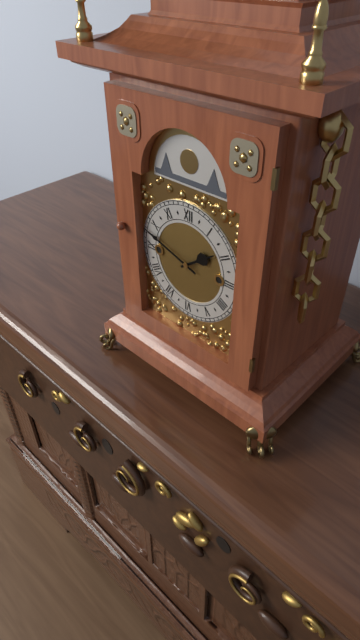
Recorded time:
1h48
